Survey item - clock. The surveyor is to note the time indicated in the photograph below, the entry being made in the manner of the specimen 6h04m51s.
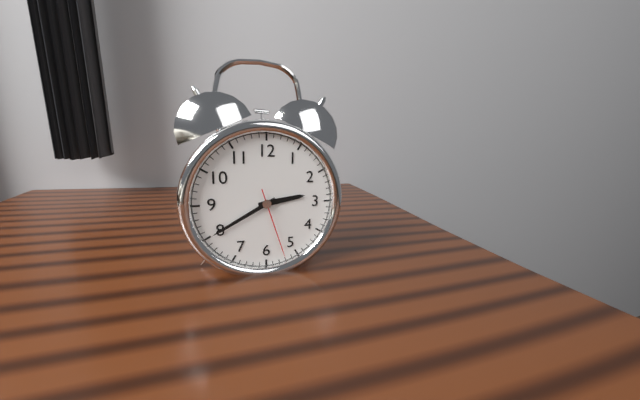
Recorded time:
2h40m27s
